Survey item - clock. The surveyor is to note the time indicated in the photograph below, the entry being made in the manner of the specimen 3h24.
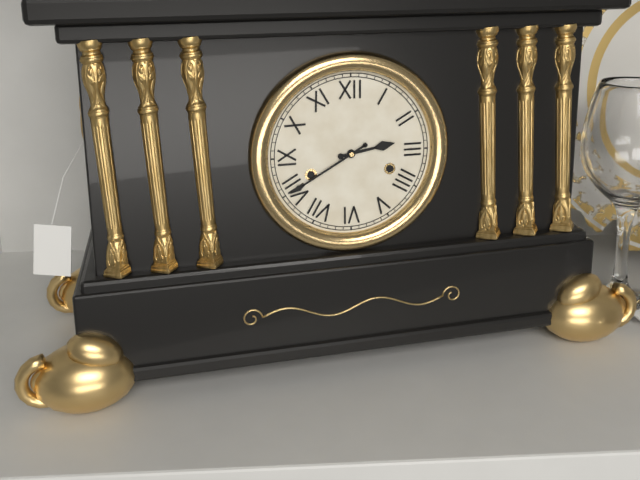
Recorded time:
2h40
